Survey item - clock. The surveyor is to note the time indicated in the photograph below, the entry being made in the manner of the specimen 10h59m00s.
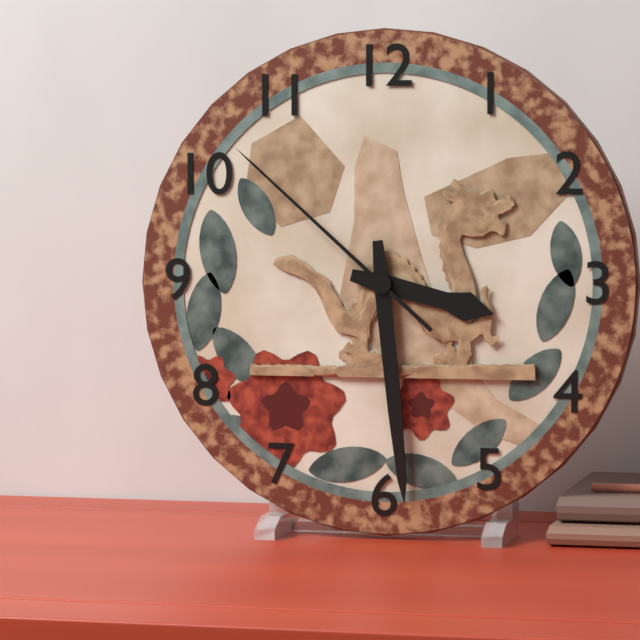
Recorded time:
3h29m52s
